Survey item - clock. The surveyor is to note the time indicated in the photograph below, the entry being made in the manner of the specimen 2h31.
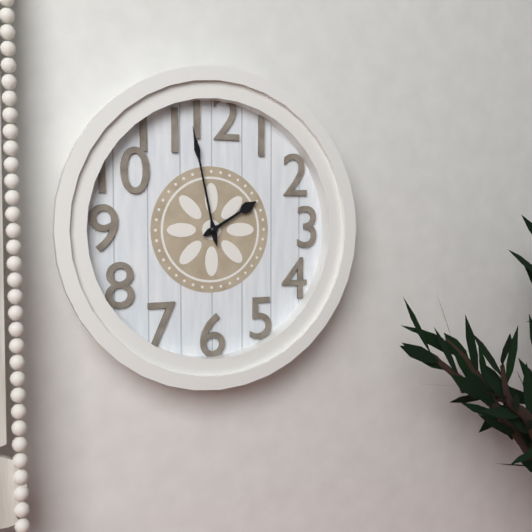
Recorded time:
1h58
